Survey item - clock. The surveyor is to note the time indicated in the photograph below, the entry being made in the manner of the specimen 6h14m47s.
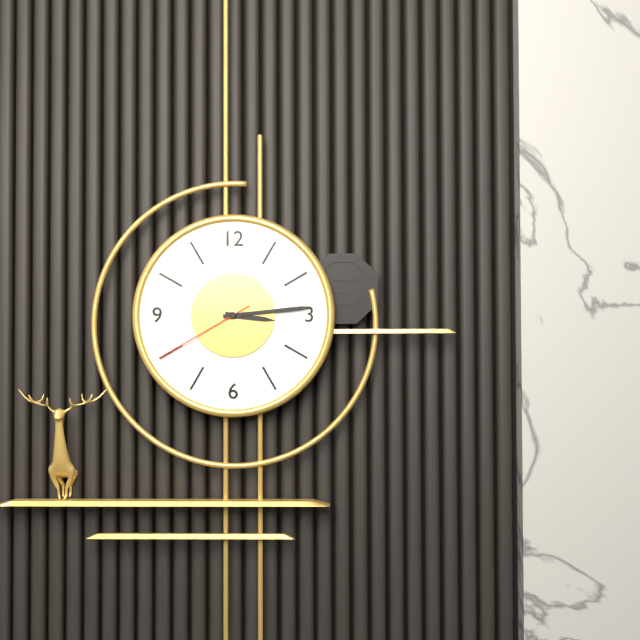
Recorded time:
3h14m40s
